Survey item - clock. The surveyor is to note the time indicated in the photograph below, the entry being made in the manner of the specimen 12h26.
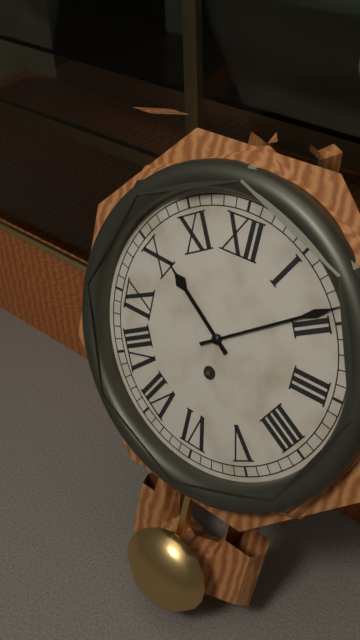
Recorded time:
10h09
